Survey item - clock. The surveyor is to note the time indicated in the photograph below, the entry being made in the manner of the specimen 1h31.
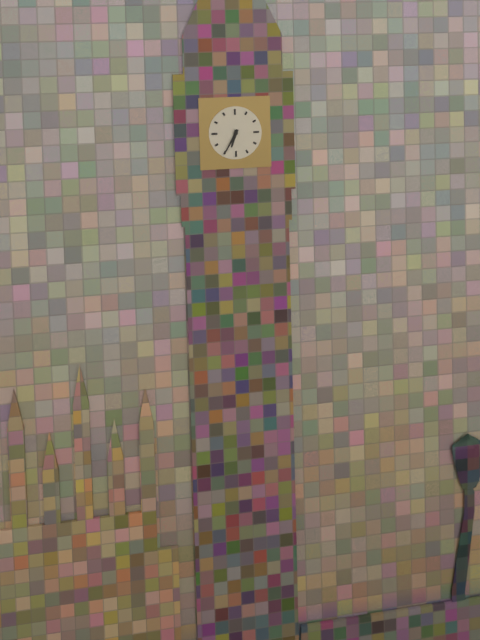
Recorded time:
6h35
